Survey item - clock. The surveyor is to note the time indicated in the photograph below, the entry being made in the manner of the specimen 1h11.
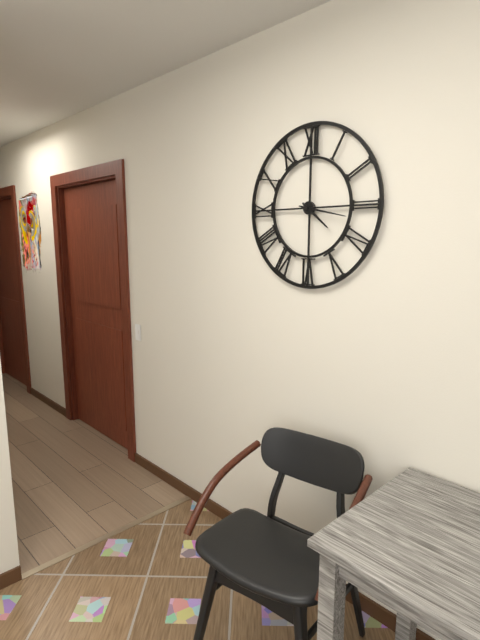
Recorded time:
4h17
